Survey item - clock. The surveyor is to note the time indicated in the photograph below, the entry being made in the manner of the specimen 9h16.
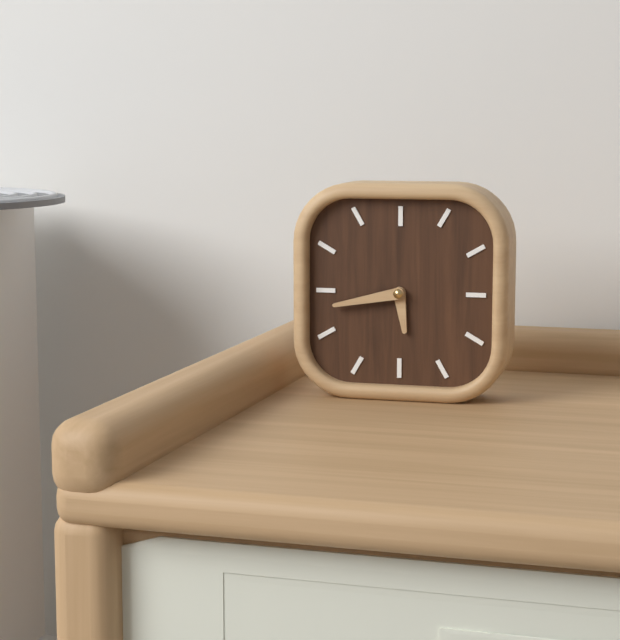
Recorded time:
5h43
